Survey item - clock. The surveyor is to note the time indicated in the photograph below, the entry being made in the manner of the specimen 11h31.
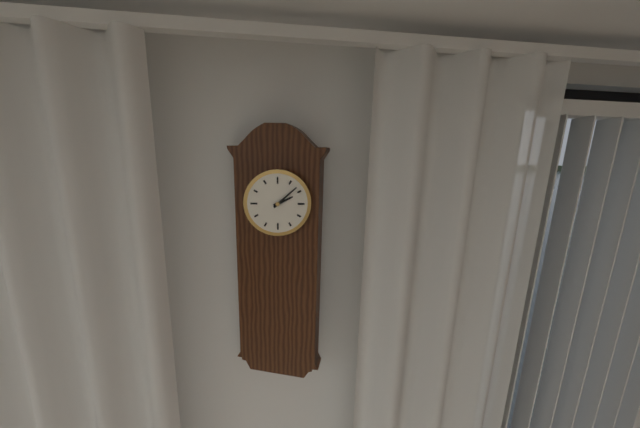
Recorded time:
2h08
